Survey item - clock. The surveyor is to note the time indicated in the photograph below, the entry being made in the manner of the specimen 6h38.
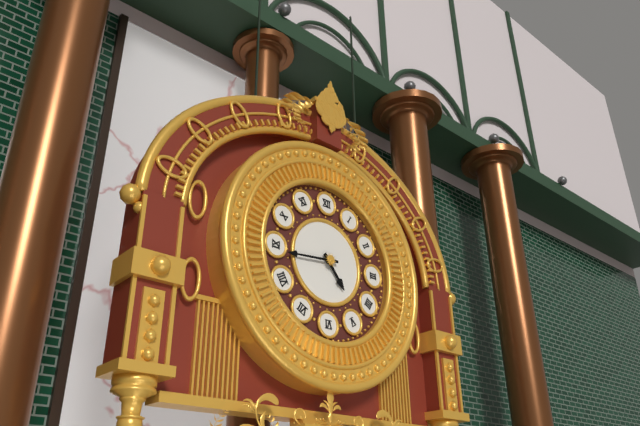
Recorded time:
4h44
